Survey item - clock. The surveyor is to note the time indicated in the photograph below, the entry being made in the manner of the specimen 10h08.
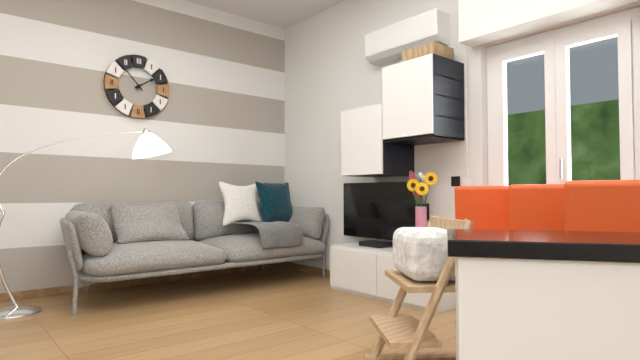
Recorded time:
1h53
